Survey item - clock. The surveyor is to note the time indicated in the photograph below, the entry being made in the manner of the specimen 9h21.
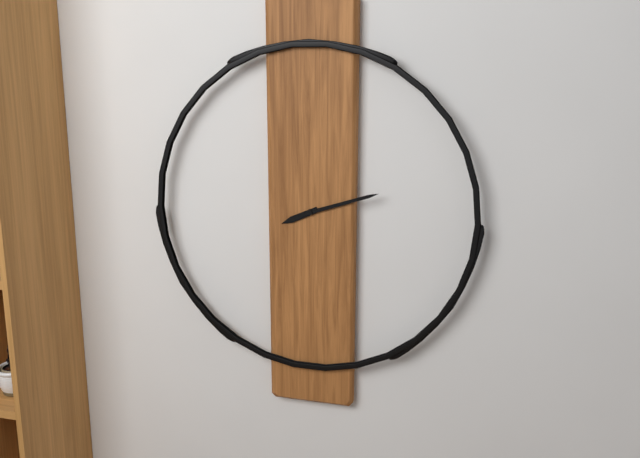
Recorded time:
8h12
